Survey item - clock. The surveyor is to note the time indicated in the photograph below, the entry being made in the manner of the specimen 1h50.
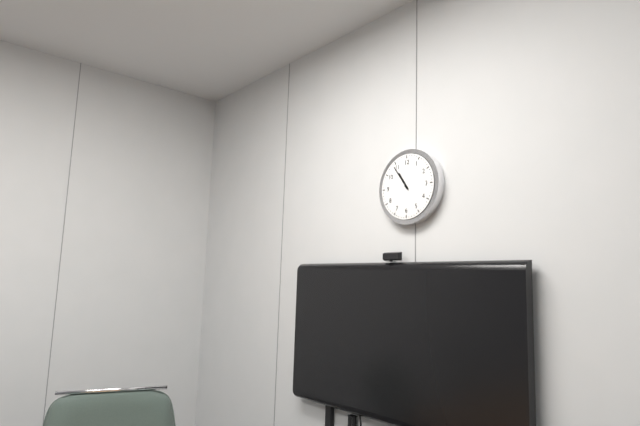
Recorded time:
10h54
